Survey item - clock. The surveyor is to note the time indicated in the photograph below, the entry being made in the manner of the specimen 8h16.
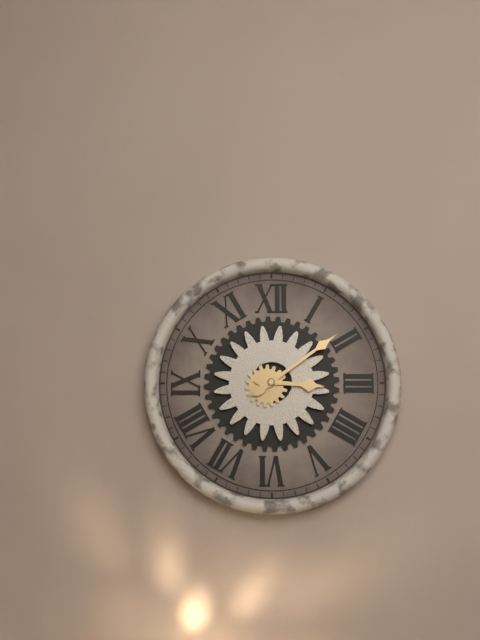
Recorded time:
3h09
